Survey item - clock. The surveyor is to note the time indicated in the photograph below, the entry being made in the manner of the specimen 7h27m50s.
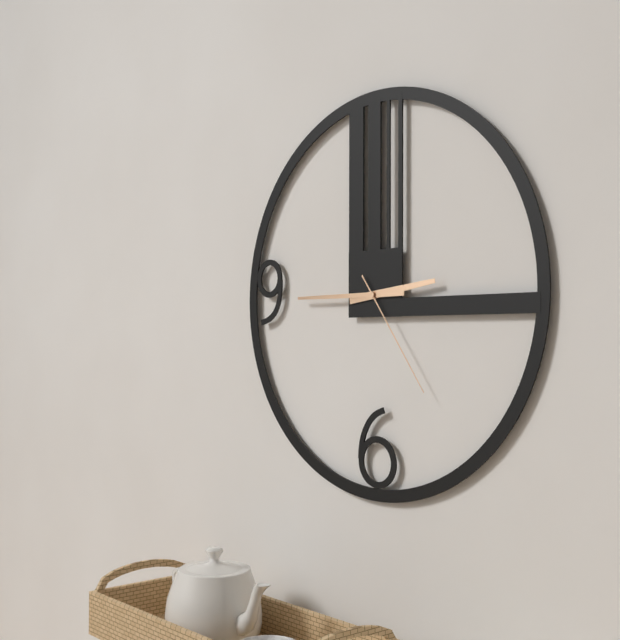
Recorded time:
2h45m24s
